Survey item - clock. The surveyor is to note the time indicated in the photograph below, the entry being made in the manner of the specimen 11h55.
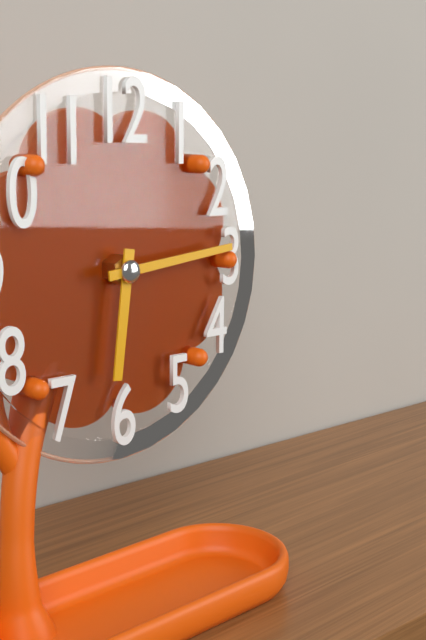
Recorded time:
6h14
